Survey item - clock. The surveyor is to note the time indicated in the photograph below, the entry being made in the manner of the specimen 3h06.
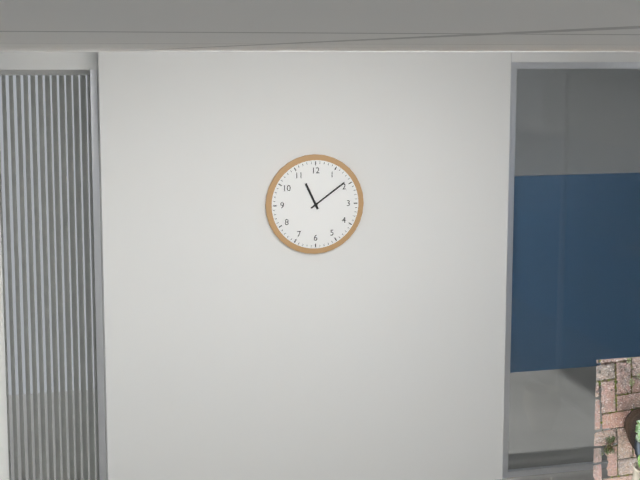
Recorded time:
11h09
